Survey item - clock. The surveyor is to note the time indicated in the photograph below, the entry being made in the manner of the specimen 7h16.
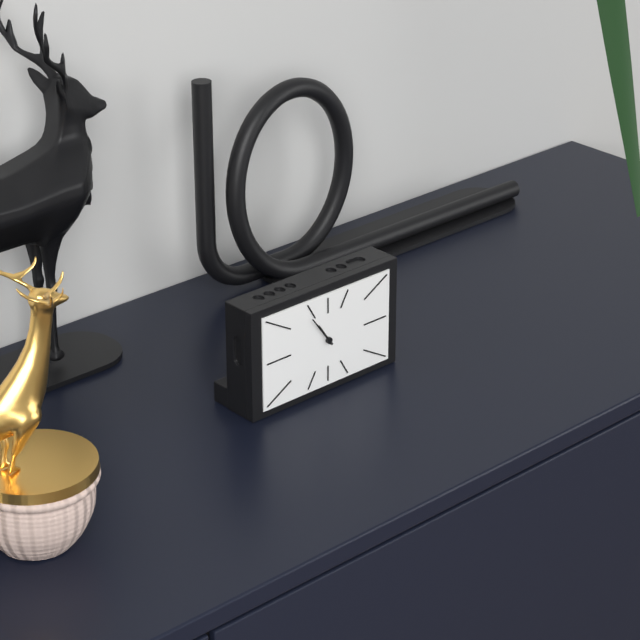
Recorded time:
10h54
